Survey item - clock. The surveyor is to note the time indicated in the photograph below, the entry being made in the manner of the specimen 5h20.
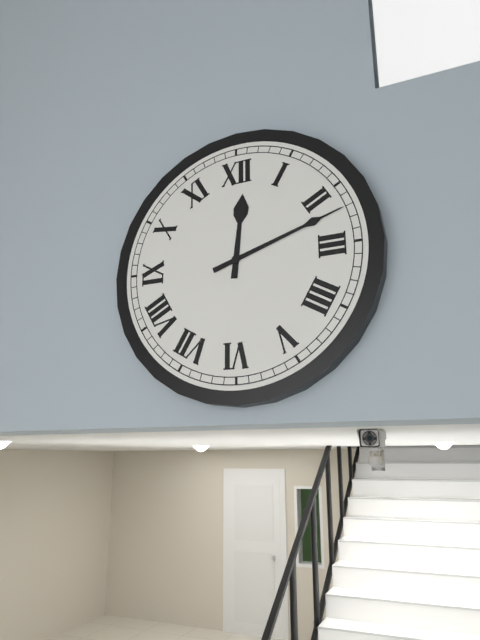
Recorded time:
12h12
